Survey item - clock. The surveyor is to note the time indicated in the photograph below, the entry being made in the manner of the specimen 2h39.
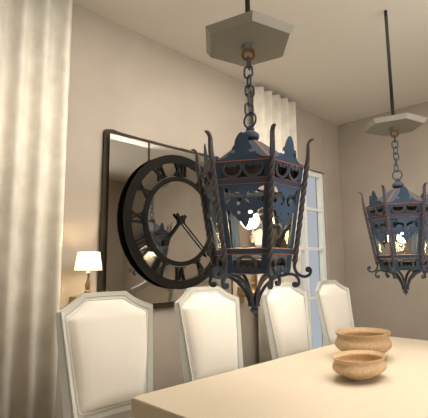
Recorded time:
7h22
